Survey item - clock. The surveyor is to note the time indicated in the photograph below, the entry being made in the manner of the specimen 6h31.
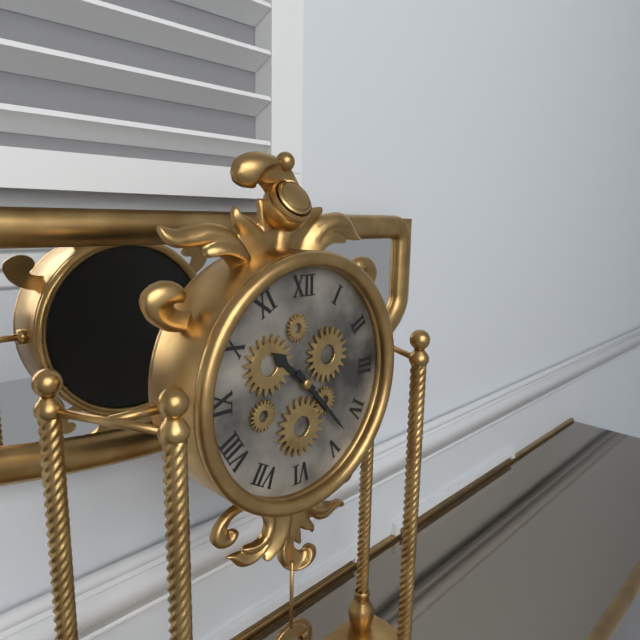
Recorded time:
10h23
